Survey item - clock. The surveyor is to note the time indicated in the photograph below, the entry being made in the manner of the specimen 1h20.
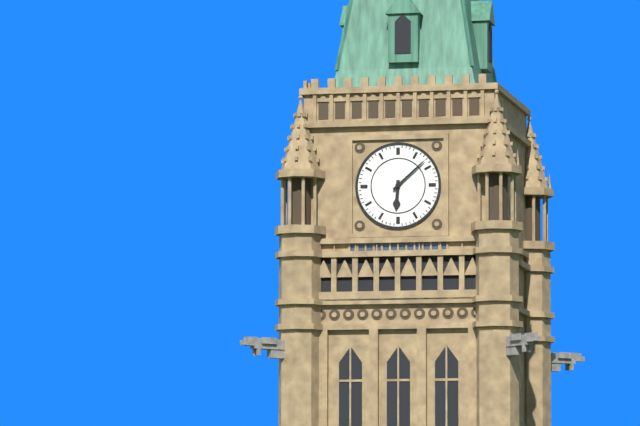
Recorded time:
6h08
